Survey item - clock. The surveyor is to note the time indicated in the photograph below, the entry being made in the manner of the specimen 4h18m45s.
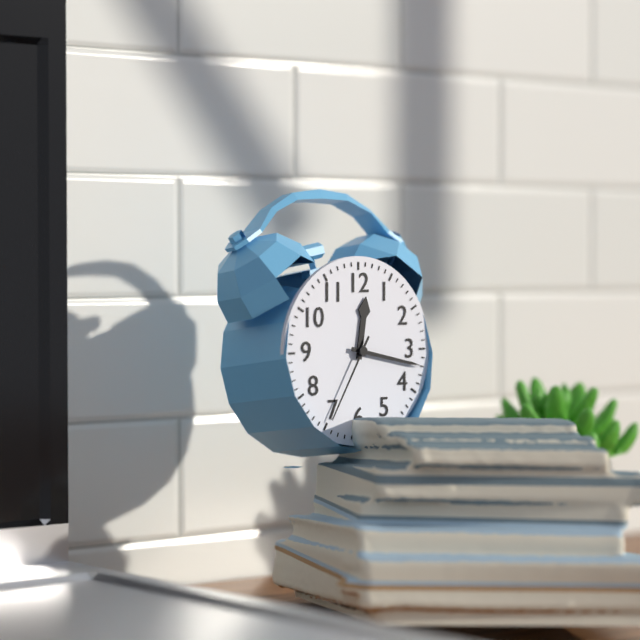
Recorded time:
12h17m35s
